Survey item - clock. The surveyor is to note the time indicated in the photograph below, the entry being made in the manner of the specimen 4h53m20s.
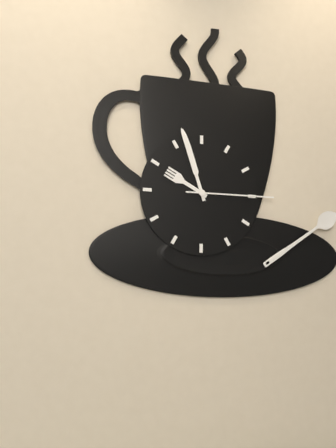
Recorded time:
9h57m15s
